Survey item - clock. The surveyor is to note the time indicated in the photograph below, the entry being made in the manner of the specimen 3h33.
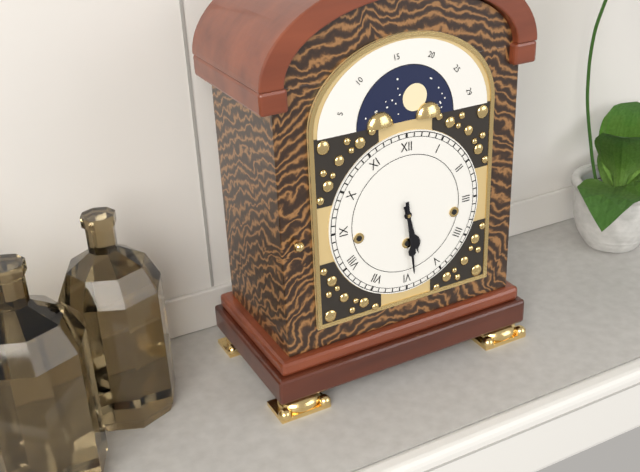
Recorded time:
5h29
